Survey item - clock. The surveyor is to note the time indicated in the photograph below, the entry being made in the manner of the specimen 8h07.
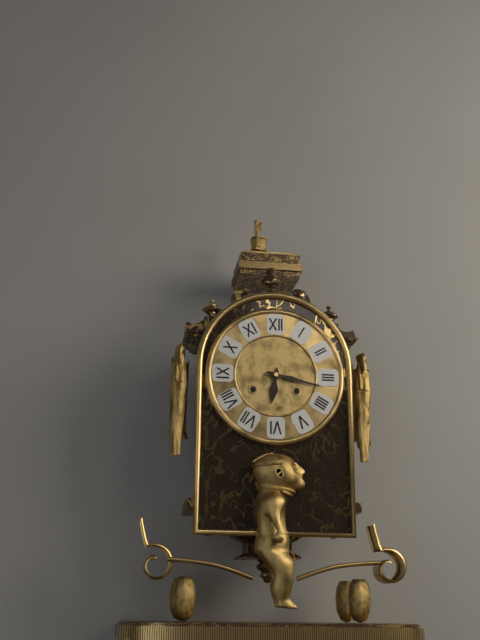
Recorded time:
6h17
